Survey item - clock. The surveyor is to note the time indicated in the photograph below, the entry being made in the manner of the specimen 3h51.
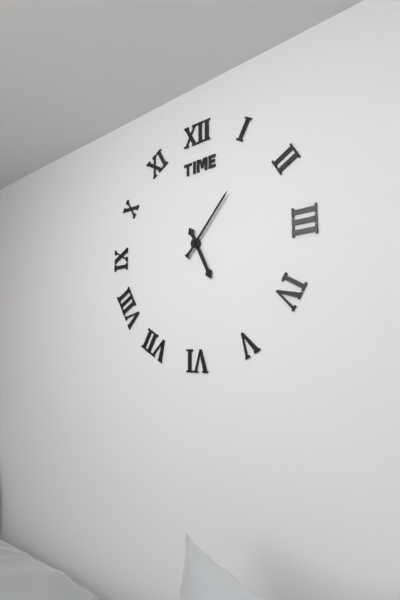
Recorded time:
5h07
